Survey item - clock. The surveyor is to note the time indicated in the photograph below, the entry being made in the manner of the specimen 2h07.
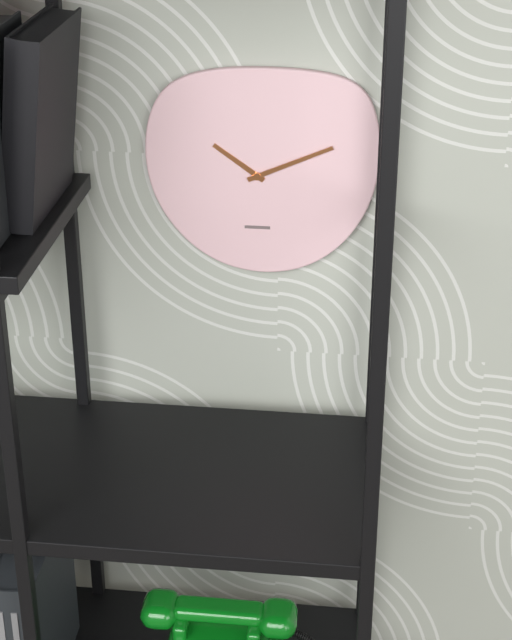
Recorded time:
10h11
